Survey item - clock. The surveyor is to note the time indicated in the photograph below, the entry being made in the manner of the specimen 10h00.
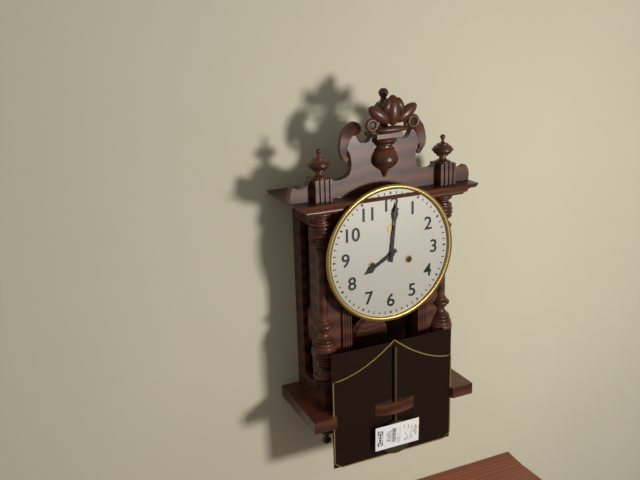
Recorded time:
8h01
